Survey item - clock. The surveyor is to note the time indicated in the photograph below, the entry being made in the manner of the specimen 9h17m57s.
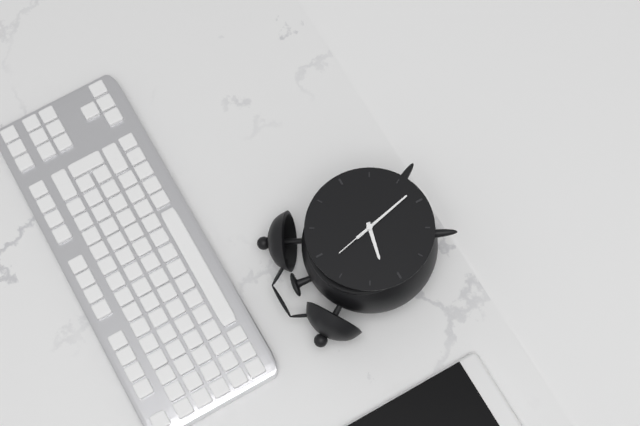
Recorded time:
9h28m58s
